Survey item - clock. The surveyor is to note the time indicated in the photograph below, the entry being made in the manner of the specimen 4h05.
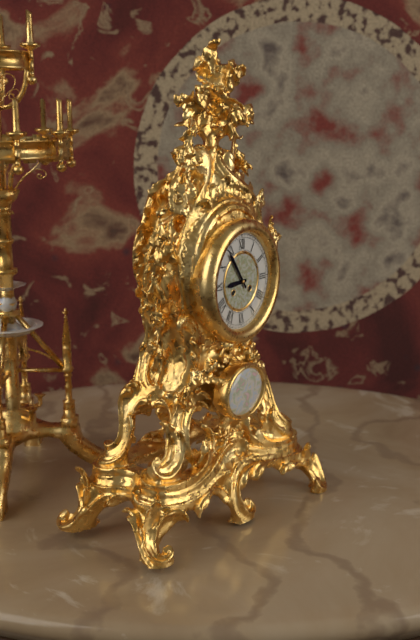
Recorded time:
8h54
